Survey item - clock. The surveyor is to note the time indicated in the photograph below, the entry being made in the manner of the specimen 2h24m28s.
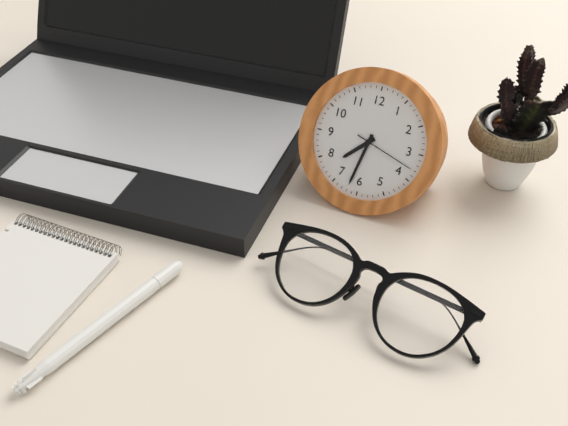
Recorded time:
7h32m18s
